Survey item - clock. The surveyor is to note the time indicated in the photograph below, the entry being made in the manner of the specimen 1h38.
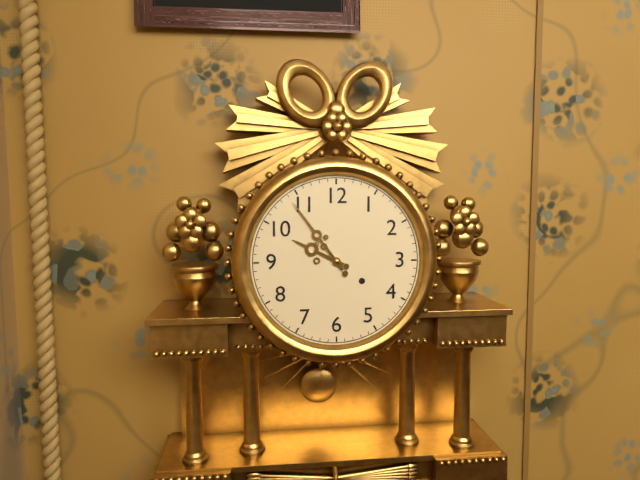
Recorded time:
9h54
